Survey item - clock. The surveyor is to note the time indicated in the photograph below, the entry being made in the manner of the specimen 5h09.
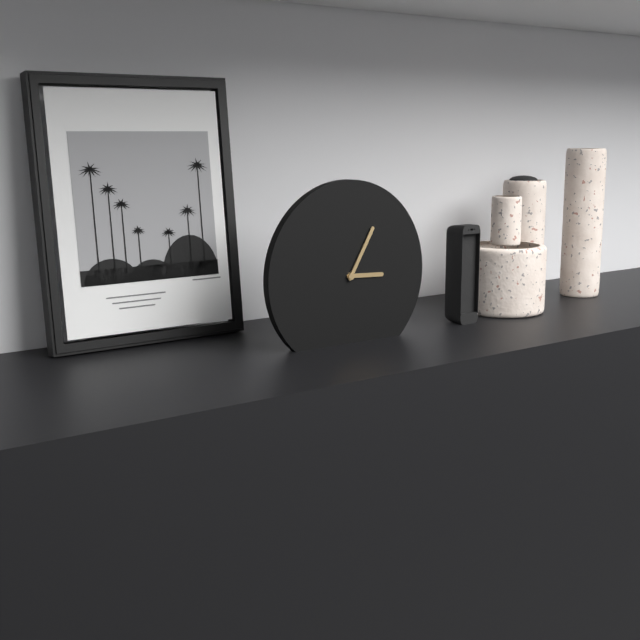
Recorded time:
3h05
